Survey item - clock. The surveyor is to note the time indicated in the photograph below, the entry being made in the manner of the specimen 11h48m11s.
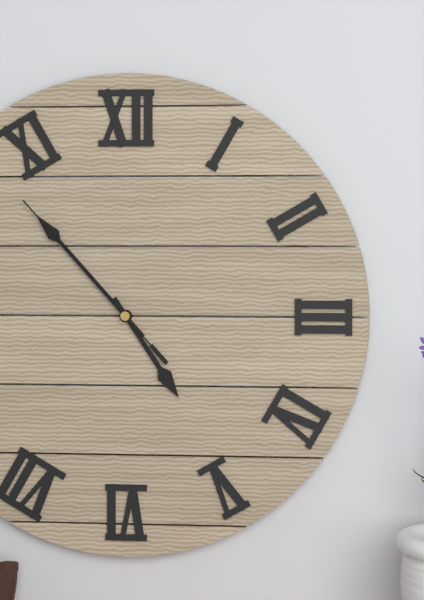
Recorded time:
4h53m53s
